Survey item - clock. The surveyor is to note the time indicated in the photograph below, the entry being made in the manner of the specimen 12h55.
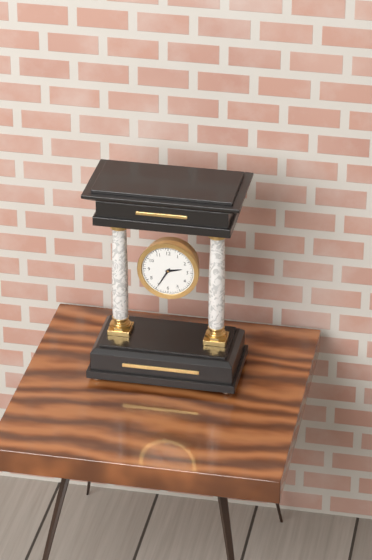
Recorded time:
2h35
